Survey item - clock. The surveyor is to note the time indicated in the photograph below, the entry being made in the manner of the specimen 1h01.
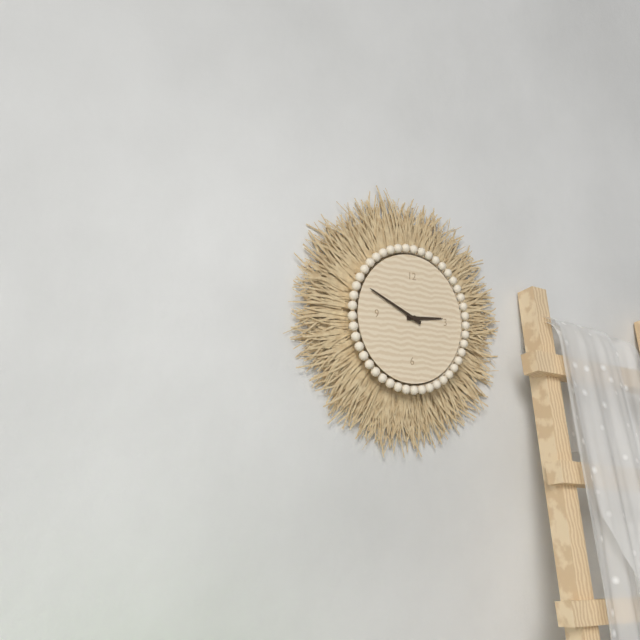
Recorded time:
2h49
